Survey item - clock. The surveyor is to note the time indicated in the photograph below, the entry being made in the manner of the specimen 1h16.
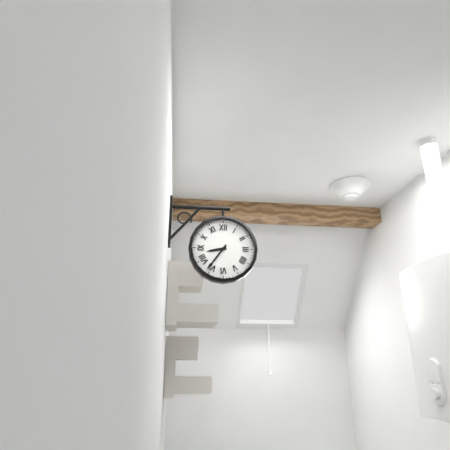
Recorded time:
8h36
